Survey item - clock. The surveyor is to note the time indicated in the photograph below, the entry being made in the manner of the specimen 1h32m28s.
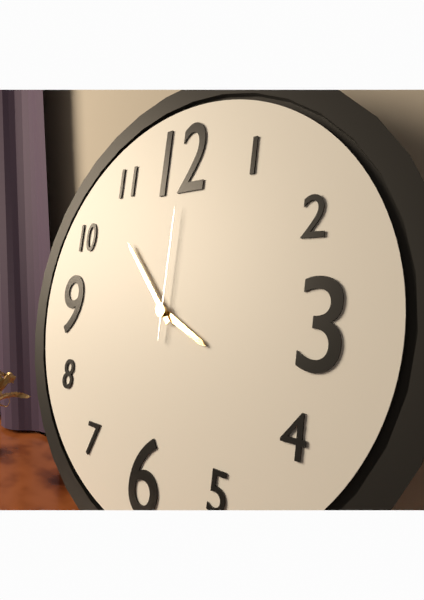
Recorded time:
3h53m00s
